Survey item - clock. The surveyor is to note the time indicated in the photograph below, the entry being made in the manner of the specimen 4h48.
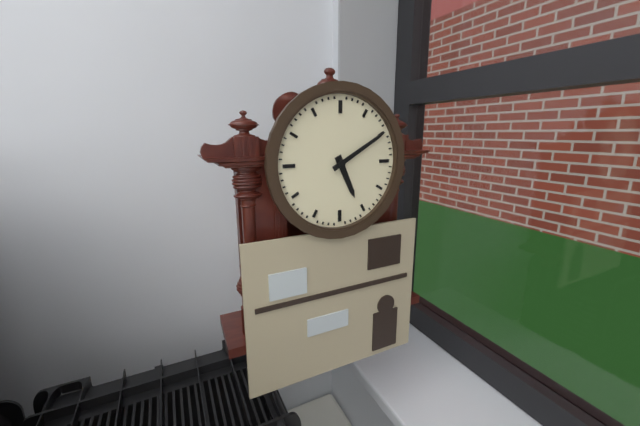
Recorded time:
5h10
